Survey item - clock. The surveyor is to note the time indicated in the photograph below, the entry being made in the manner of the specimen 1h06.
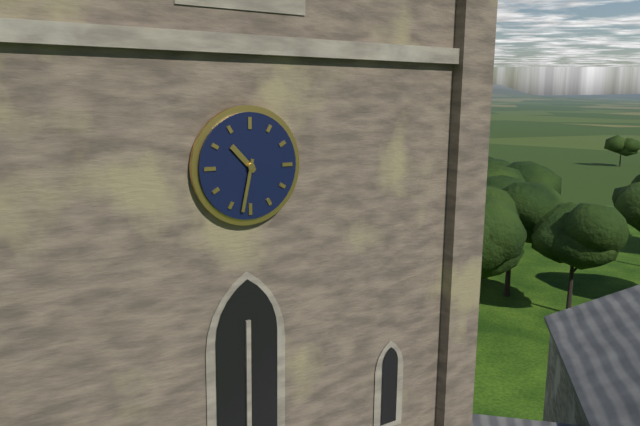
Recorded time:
10h32
